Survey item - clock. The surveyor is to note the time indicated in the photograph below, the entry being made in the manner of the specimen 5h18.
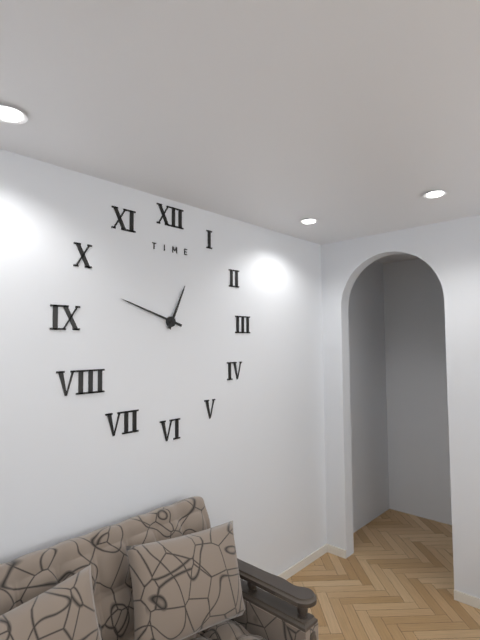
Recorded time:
12h48
